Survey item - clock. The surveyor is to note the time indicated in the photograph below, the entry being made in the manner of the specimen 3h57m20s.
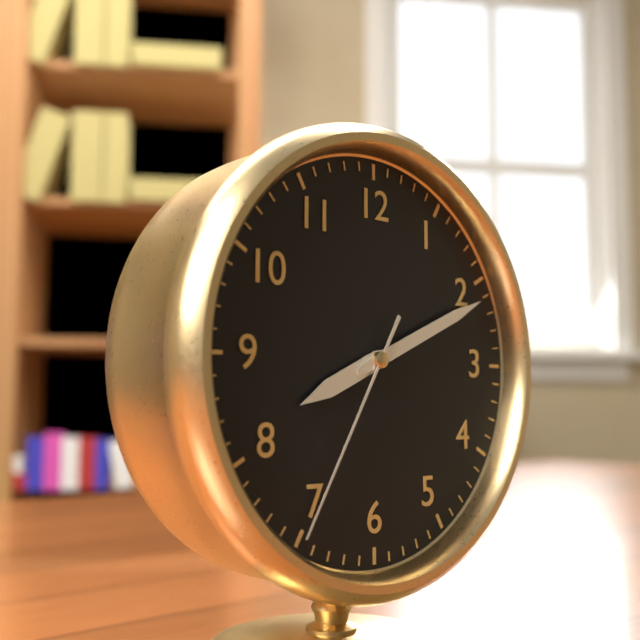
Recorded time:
8h11m35s
